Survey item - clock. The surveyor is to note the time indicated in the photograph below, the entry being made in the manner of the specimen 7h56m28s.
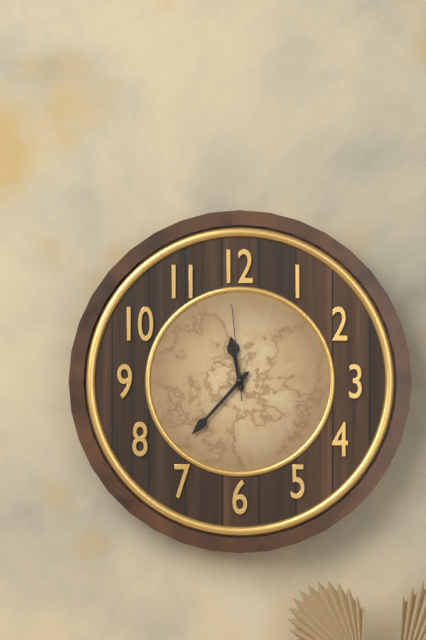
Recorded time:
11h37m59s
